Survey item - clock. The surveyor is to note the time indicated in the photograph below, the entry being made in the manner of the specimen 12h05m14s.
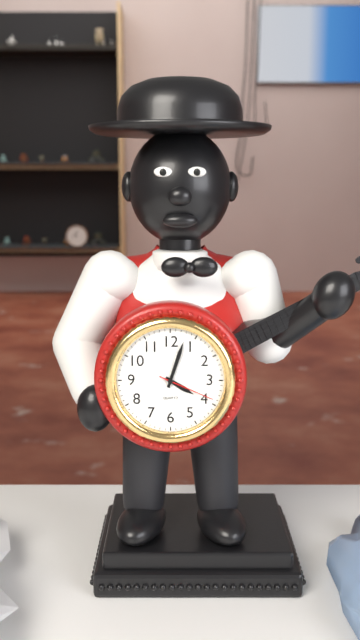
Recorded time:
4h03m19s
